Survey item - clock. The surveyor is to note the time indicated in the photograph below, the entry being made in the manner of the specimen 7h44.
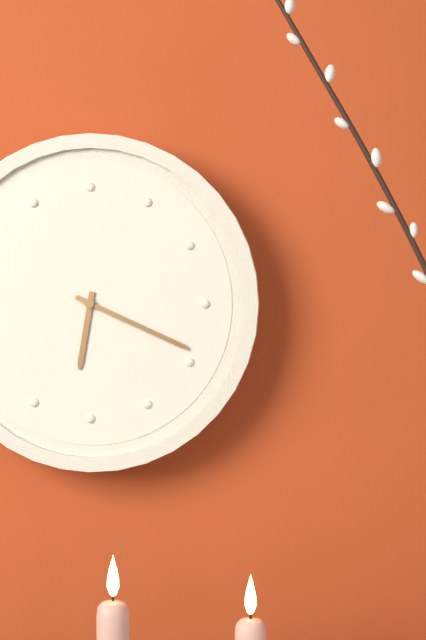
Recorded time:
6h19
